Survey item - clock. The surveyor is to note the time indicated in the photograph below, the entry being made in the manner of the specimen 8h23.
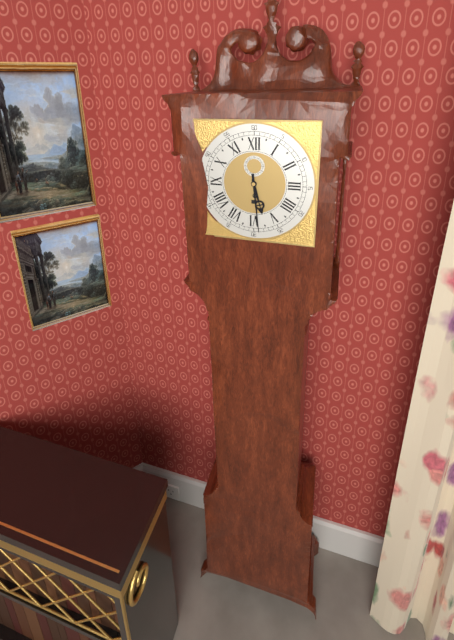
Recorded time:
5h29
